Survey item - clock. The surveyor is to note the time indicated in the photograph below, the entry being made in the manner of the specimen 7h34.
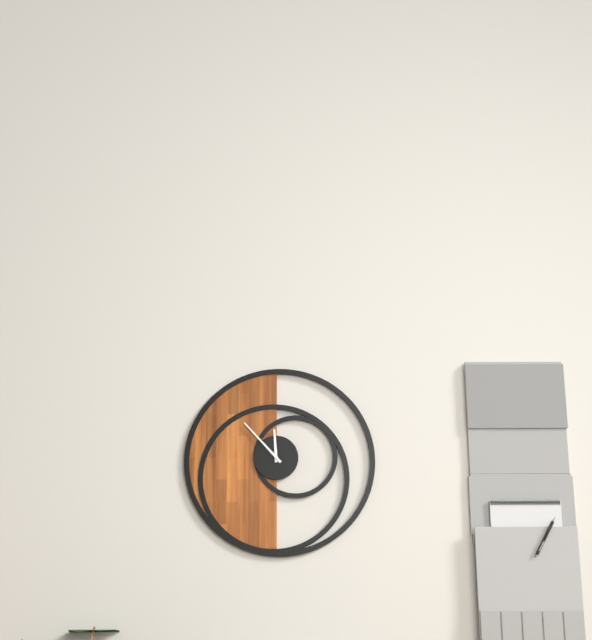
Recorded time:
11h53
